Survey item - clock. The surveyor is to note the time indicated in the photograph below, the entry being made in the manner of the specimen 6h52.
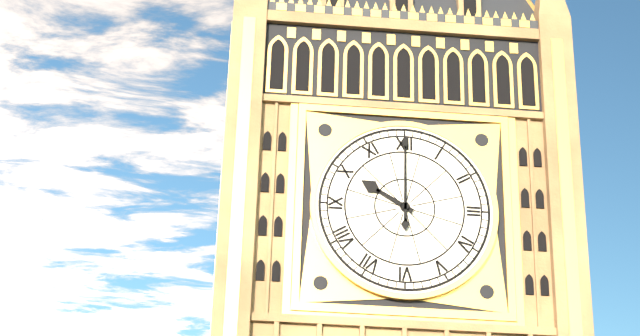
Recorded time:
10h00
